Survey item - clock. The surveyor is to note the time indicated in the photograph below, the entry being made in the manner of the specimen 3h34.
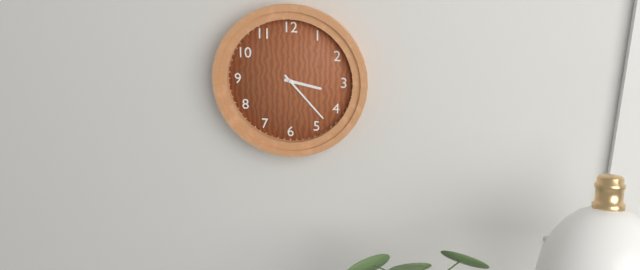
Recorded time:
3h23
